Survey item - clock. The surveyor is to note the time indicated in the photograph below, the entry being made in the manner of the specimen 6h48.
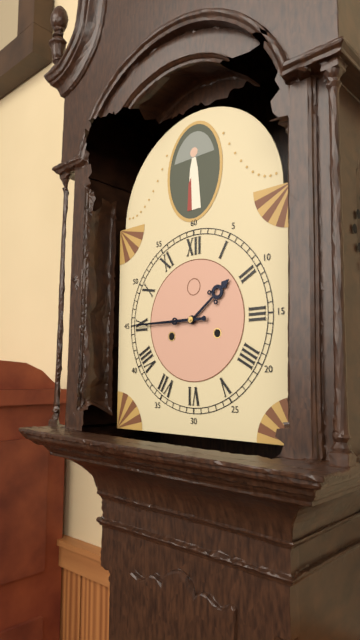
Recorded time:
1h45
